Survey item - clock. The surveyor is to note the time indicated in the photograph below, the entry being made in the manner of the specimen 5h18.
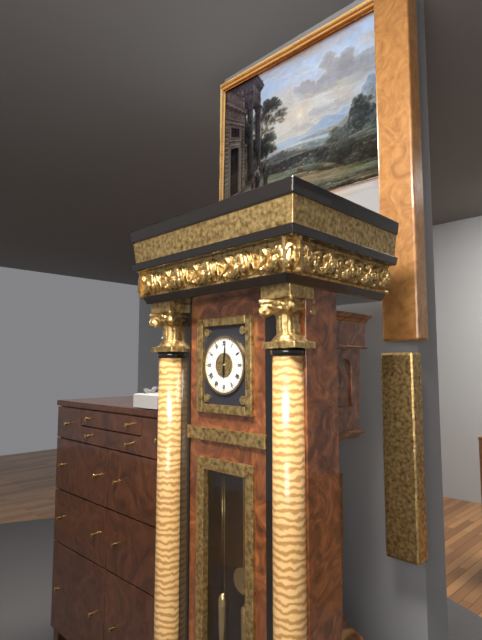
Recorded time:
6h01
